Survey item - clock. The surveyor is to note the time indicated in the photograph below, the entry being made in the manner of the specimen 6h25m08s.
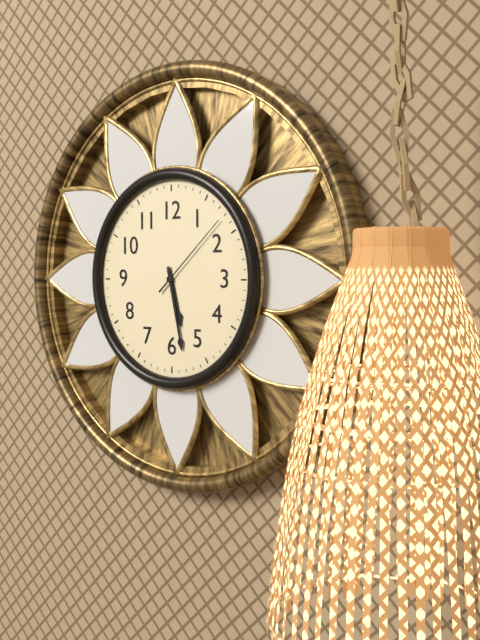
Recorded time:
5h28m08s
